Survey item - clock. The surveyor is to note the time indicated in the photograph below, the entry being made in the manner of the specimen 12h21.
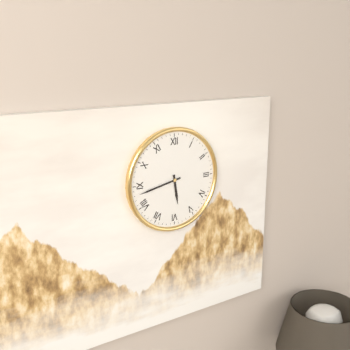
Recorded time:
5h43
